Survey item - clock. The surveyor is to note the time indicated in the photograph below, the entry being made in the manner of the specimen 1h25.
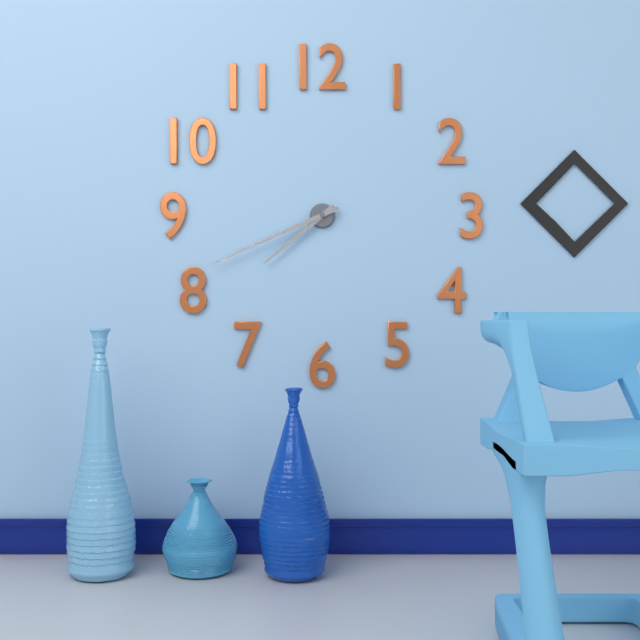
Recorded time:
7h41
